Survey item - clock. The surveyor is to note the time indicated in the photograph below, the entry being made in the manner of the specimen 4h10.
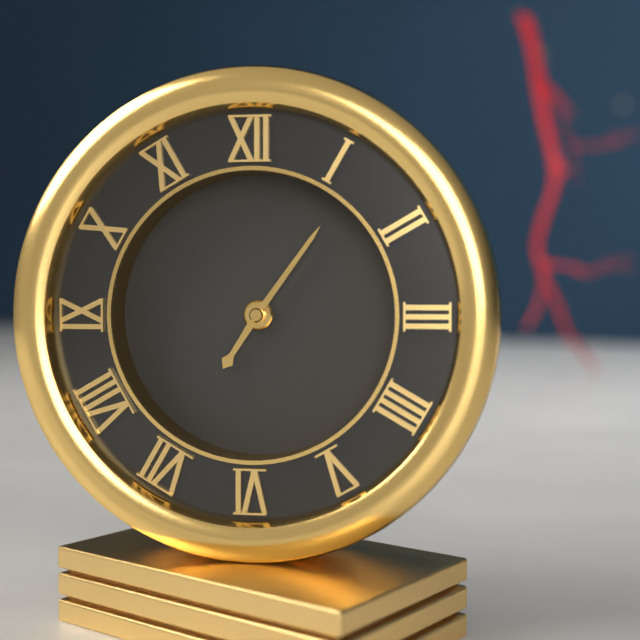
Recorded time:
7h06
